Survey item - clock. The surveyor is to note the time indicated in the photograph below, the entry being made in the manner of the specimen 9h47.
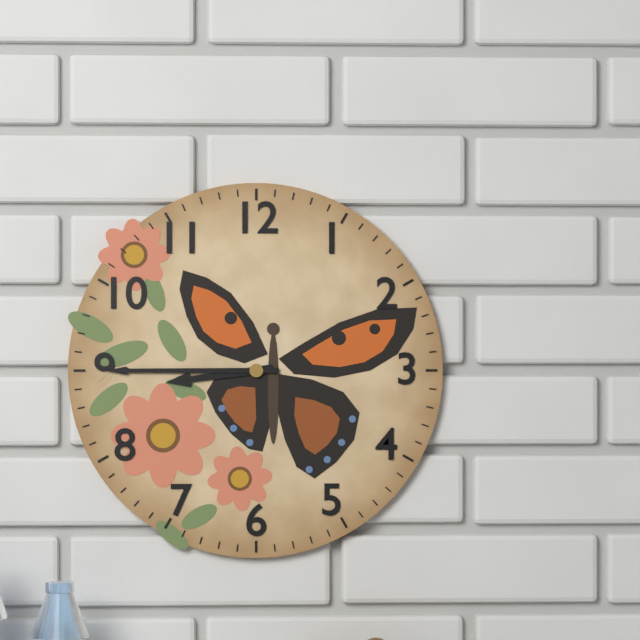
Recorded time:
8h45
